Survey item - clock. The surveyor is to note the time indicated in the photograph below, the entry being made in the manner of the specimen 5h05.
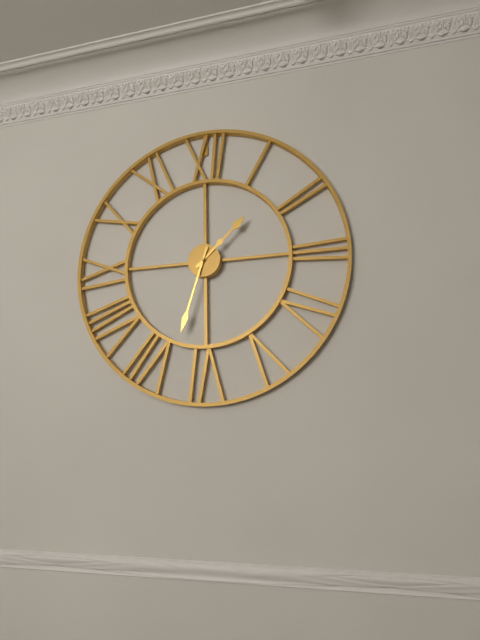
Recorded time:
1h33
